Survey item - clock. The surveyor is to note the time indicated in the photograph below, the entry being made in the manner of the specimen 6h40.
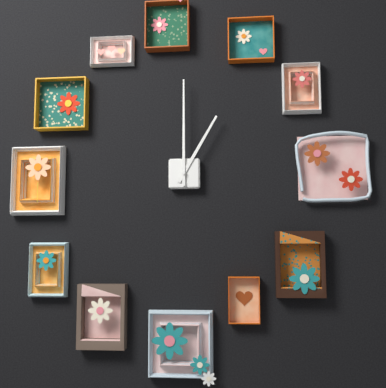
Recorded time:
1h00
